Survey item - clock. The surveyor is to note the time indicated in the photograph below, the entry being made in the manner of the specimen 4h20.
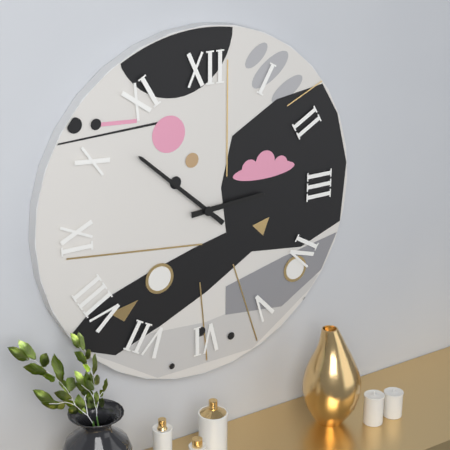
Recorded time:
2h52
